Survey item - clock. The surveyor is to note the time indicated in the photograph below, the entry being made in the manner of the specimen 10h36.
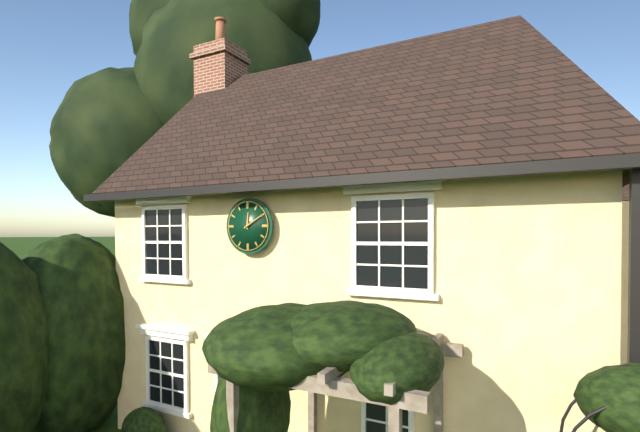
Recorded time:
12h10
